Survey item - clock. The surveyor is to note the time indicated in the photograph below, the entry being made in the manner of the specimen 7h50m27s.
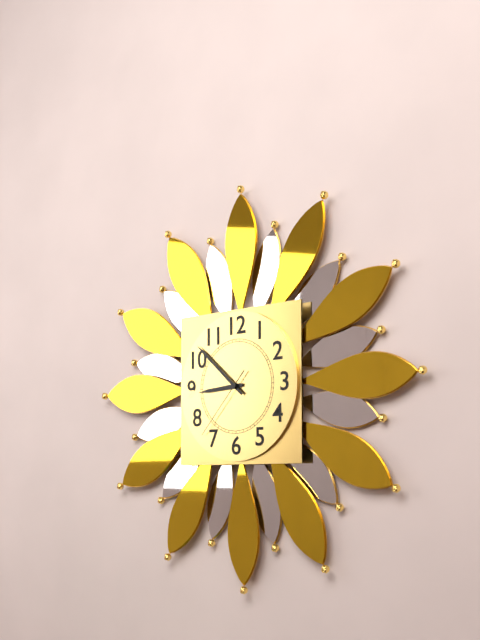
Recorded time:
8h52m37s
